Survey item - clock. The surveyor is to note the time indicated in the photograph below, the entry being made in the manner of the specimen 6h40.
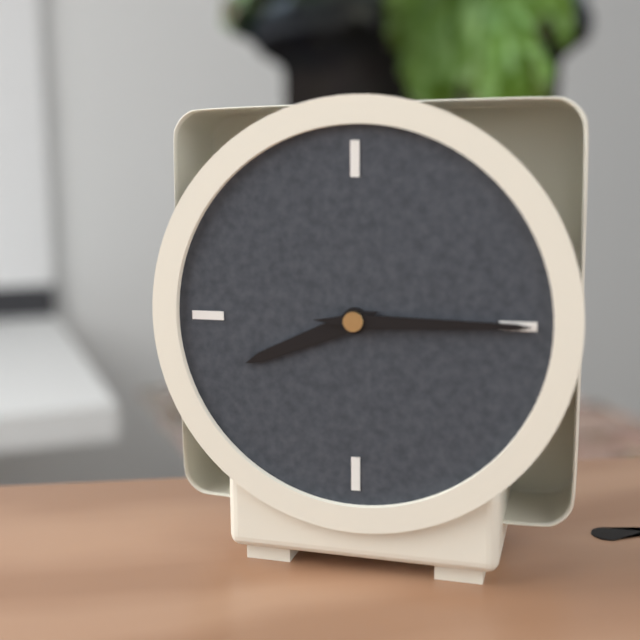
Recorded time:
8h15
